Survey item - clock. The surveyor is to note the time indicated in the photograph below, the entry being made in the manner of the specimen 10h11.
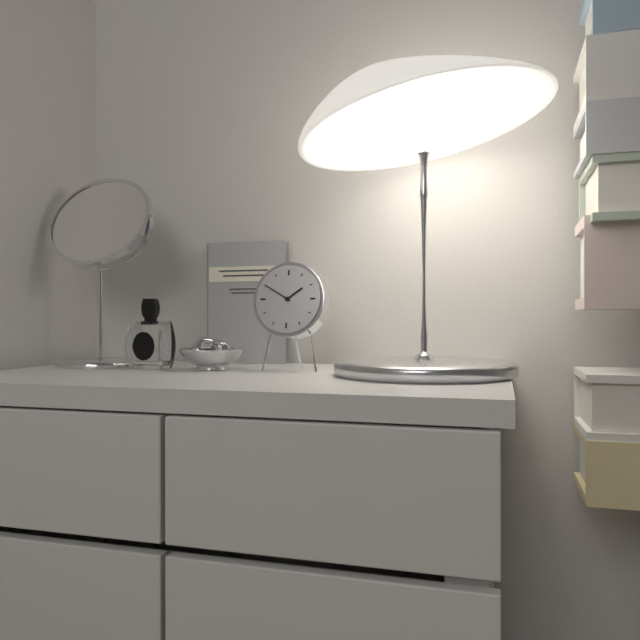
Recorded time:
1h50
